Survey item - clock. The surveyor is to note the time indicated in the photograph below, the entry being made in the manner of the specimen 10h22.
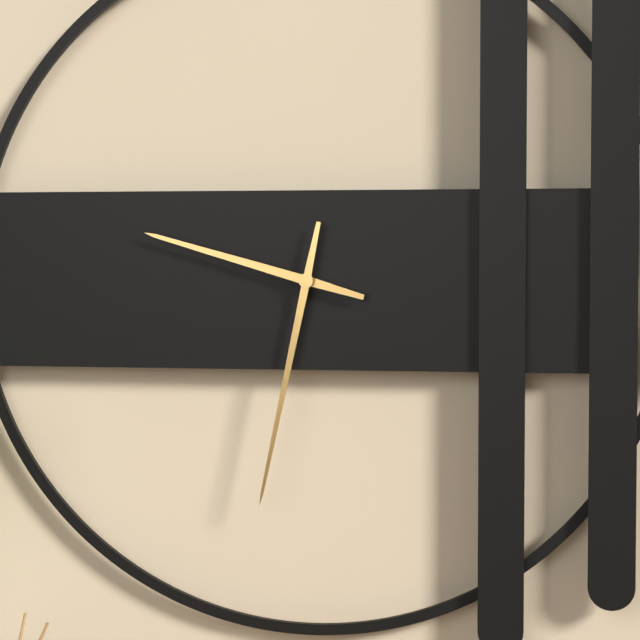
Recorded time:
9h32
